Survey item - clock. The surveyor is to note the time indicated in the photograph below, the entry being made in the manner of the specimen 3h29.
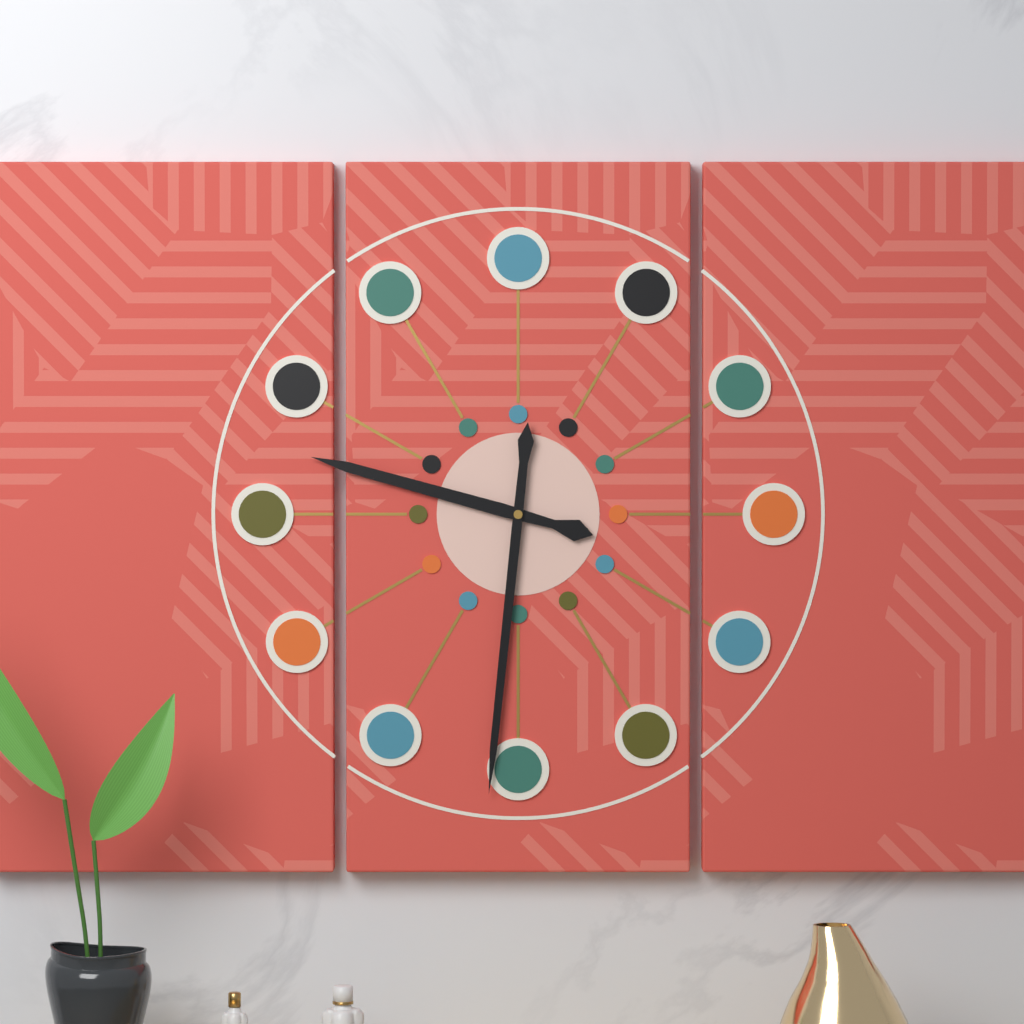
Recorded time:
9h31
